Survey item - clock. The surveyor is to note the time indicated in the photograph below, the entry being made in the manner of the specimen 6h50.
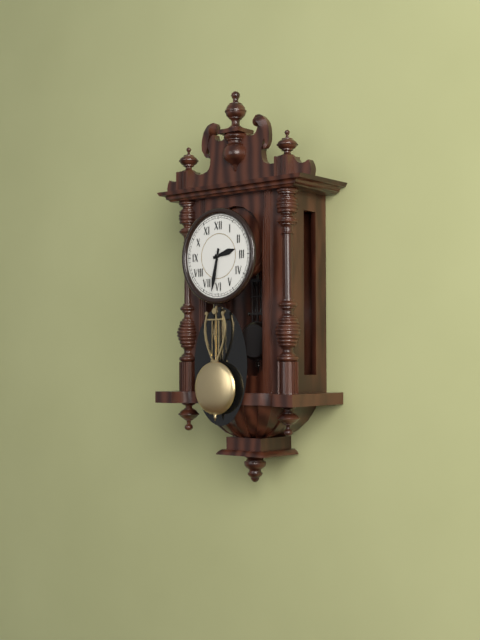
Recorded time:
2h32
